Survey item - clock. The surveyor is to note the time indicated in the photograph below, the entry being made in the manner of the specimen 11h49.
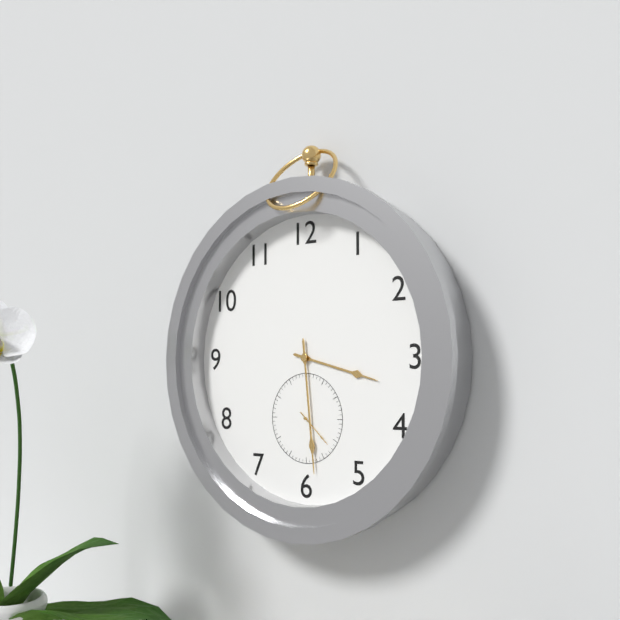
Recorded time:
3h29
